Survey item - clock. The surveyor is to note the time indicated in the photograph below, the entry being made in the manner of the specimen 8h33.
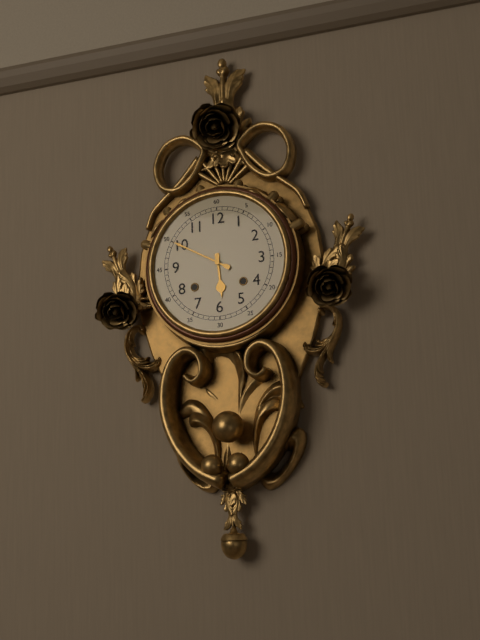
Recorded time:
5h50
